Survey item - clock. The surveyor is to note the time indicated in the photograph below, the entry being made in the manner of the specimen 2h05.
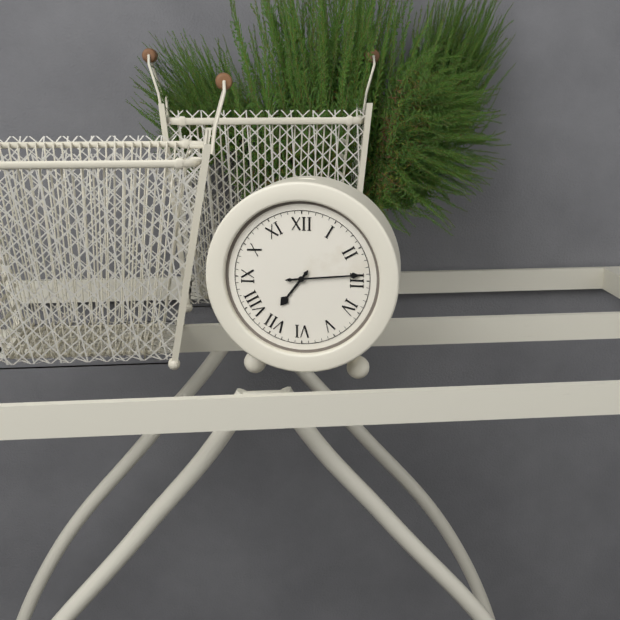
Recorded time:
7h14
